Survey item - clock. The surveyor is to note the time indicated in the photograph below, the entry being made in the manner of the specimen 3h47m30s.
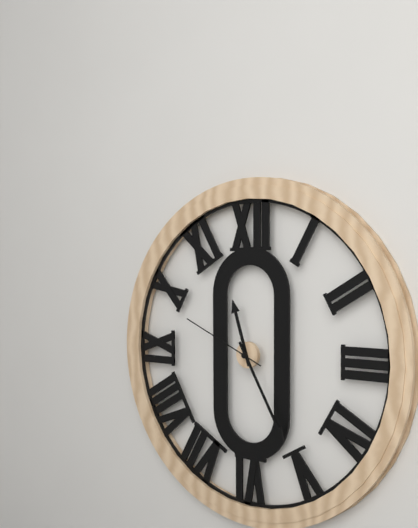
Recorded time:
11h25m49s
